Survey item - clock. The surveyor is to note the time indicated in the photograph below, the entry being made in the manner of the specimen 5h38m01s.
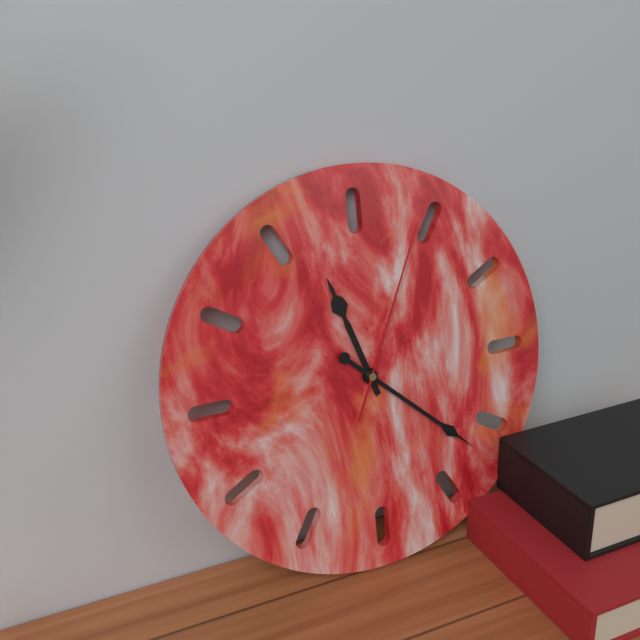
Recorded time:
11h22m04s
